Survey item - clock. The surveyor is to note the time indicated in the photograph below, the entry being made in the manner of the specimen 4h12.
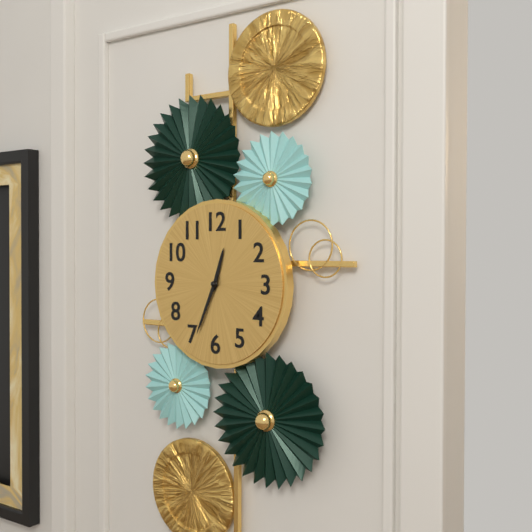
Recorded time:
12h34
